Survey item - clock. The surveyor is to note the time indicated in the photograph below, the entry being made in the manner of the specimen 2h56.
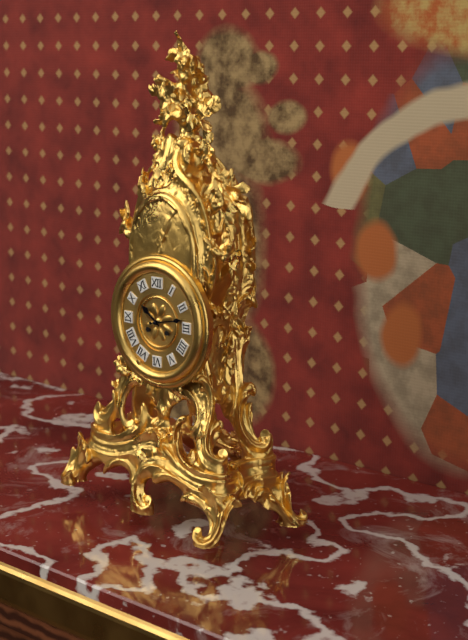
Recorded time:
10h13
